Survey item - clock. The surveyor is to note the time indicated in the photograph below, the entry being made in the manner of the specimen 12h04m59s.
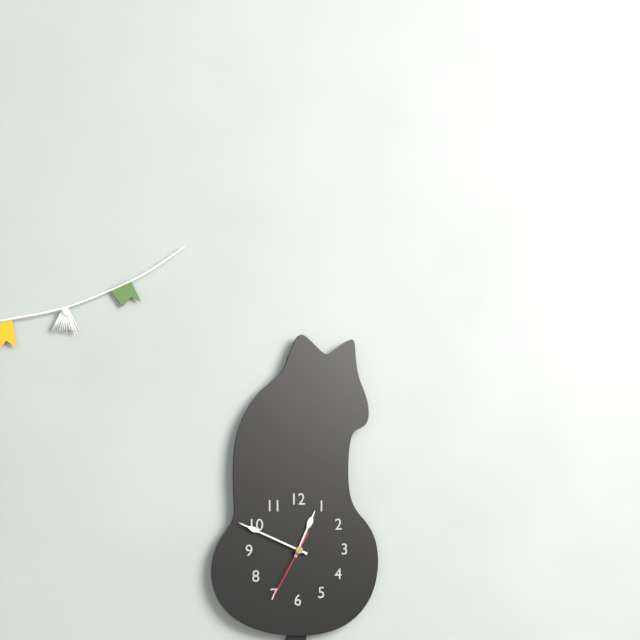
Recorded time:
12h49m35s
